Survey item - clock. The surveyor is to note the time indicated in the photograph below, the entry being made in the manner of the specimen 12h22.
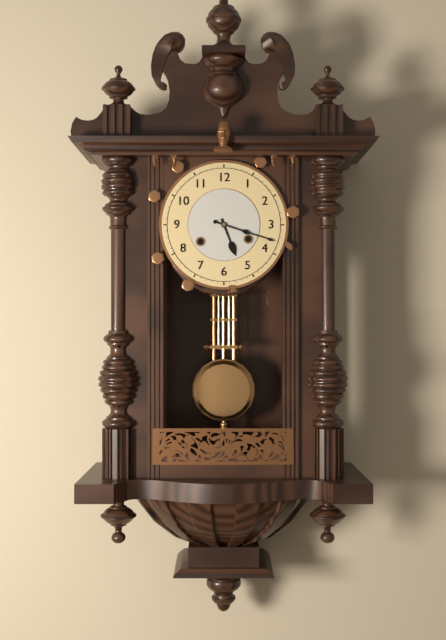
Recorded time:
5h18
